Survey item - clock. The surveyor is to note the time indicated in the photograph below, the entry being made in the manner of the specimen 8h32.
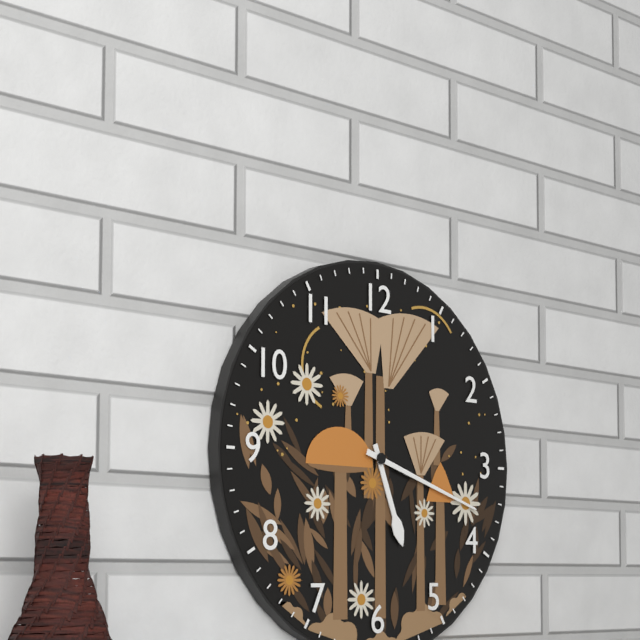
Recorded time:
5h18
